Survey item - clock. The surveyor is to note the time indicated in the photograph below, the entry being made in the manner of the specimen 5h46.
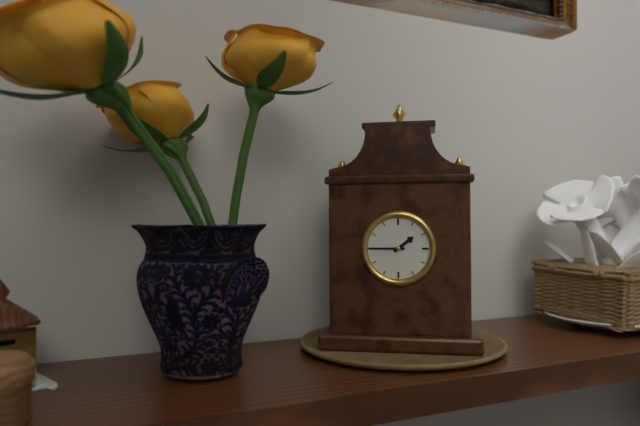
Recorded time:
1h45
